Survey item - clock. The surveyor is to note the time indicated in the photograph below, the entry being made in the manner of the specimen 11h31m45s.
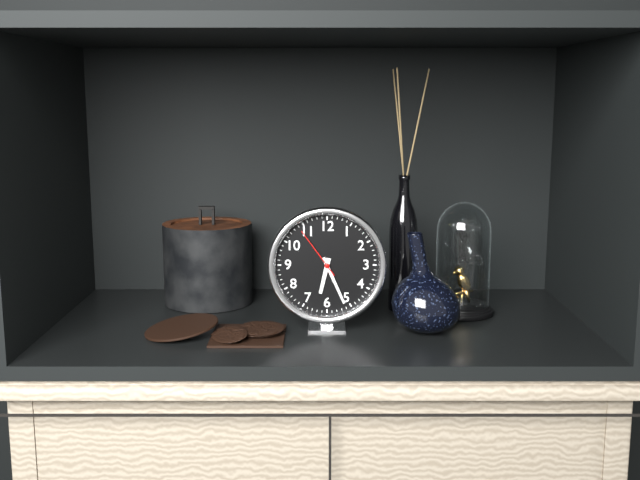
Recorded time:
6h26m54s
